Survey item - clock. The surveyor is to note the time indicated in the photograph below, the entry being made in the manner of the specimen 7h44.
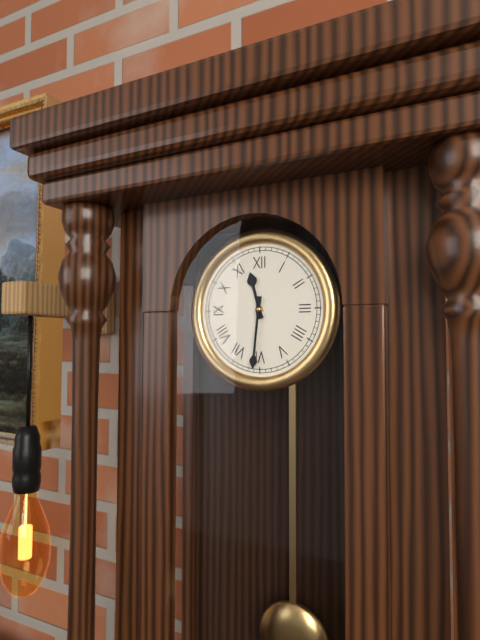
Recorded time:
11h31
